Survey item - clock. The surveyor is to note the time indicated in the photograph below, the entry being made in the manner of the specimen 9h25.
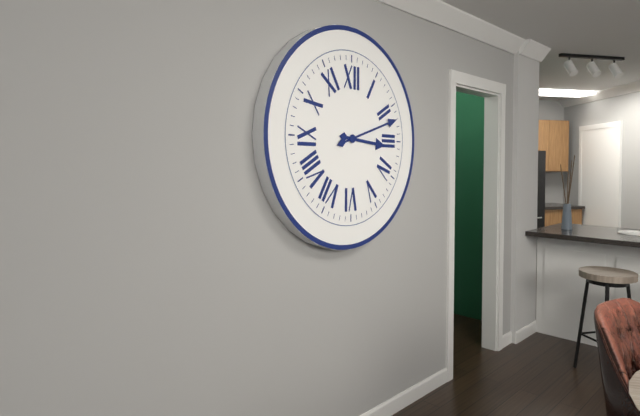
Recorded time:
3h12
